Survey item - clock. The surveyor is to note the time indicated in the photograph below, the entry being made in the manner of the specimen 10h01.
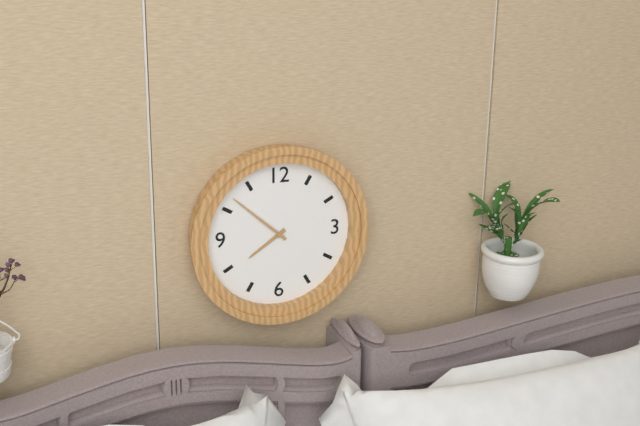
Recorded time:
7h52
